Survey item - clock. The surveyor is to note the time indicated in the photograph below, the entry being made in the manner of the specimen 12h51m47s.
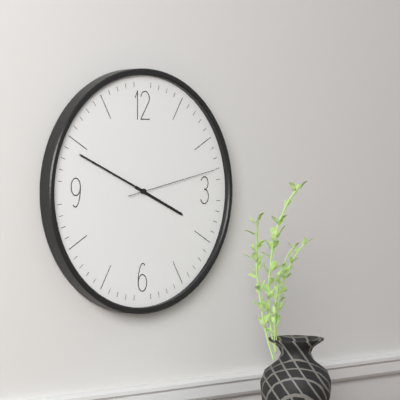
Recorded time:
3h49m13s
